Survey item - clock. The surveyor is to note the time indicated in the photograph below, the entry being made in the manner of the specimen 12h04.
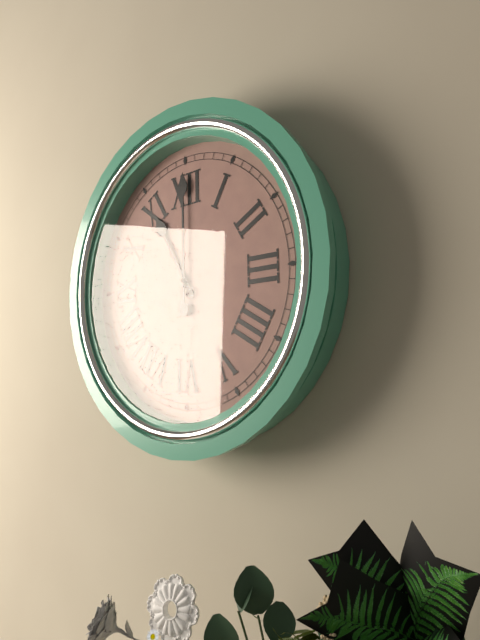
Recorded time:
11h00
